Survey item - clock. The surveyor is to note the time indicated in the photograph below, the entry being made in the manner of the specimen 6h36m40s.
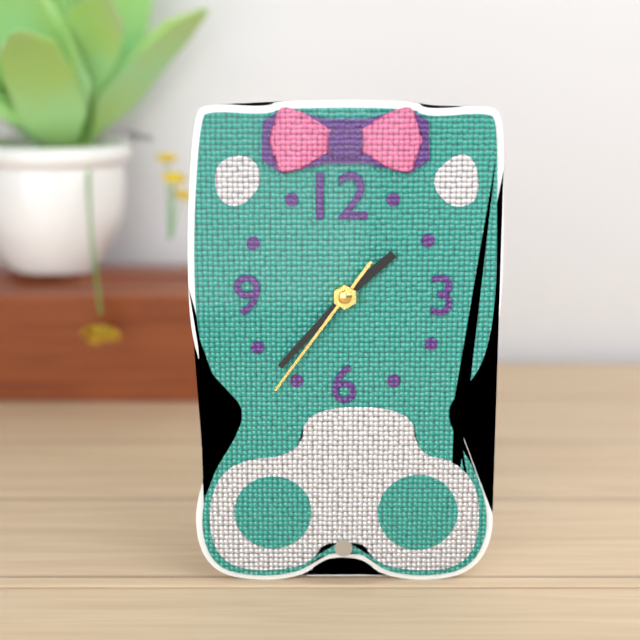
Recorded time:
1h37m36s
